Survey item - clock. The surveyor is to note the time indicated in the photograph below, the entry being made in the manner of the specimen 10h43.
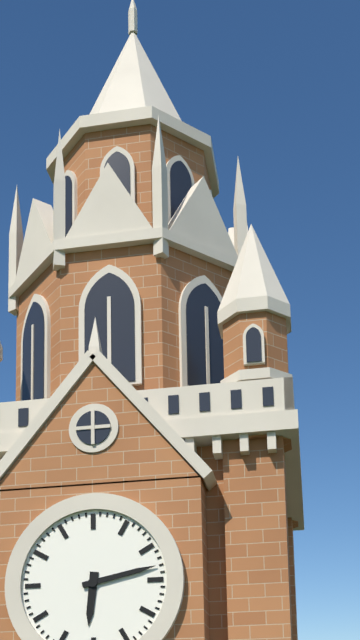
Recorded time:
6h13
